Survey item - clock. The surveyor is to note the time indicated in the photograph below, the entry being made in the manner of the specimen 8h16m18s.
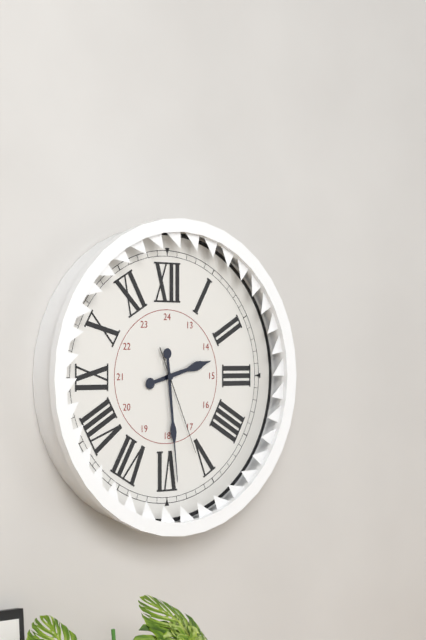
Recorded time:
2h29m26s
